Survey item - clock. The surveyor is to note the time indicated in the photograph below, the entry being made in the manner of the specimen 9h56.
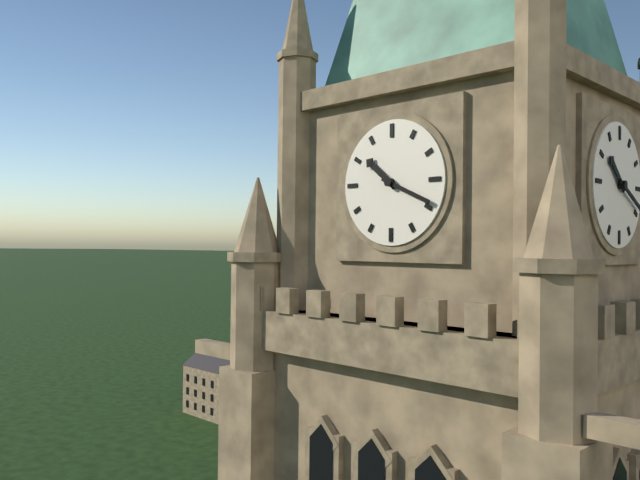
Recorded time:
10h19
